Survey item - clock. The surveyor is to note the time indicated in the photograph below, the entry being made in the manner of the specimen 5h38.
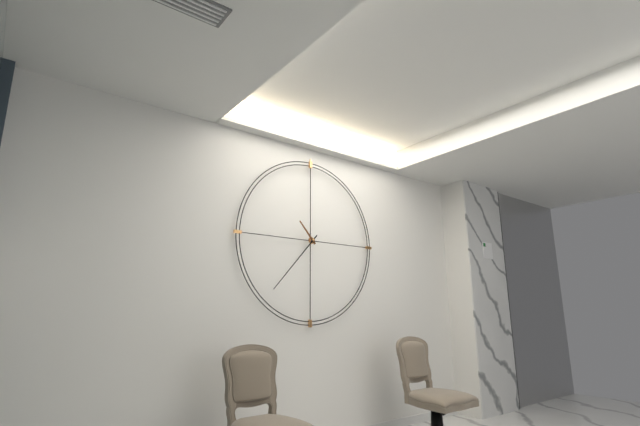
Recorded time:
10h37
